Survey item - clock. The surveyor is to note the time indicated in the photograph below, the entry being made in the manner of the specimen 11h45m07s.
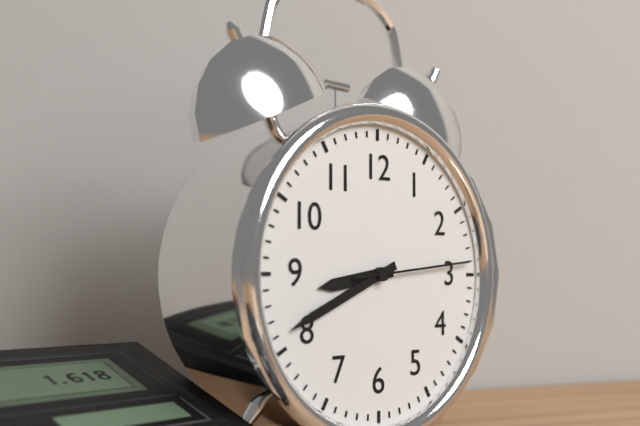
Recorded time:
8h41m14s
